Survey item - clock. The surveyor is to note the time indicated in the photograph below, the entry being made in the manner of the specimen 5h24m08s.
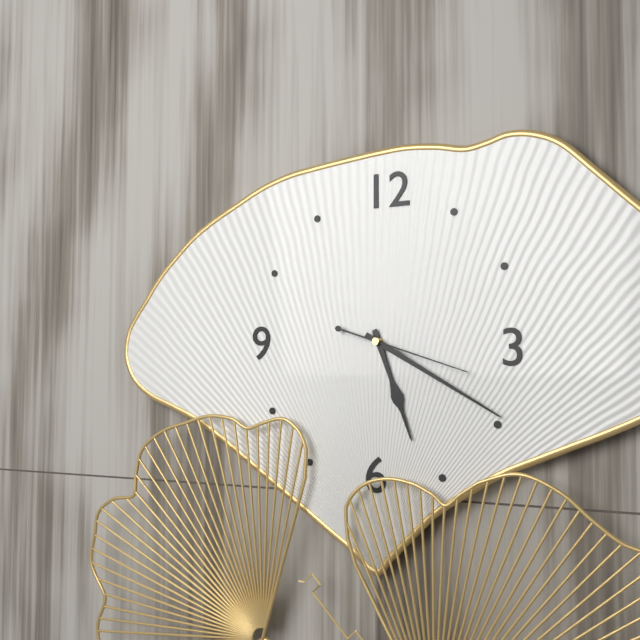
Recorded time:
5h20m18s
